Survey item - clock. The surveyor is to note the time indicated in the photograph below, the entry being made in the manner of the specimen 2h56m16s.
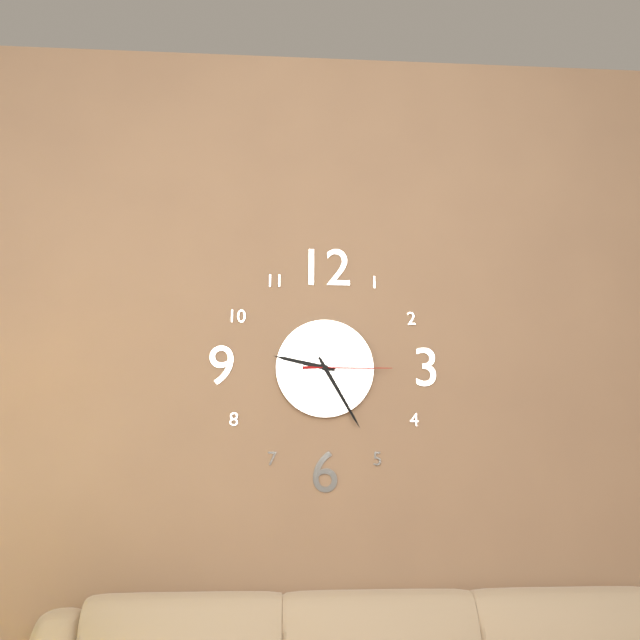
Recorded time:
9h25m15s
